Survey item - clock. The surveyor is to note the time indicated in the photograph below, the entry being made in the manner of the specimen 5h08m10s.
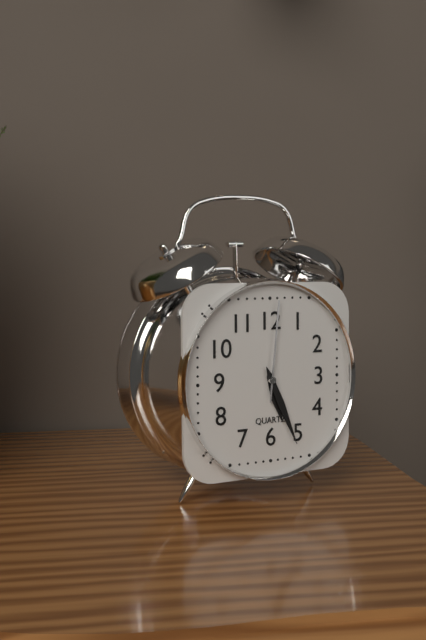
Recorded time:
5h26m01s
